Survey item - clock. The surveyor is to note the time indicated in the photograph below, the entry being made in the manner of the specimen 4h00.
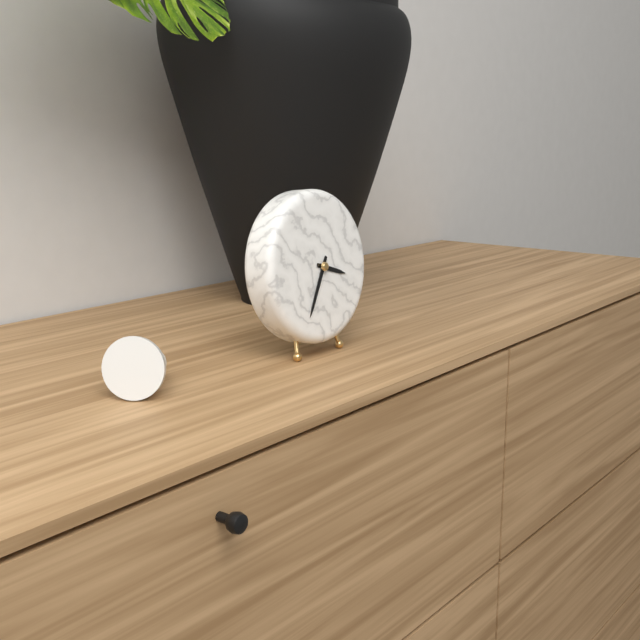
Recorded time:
3h35
